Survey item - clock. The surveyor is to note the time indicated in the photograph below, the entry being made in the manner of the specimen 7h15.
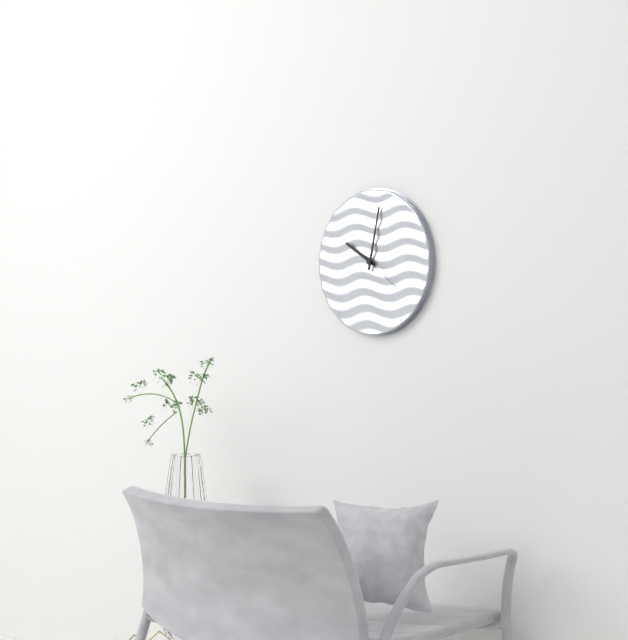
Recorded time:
10h02
